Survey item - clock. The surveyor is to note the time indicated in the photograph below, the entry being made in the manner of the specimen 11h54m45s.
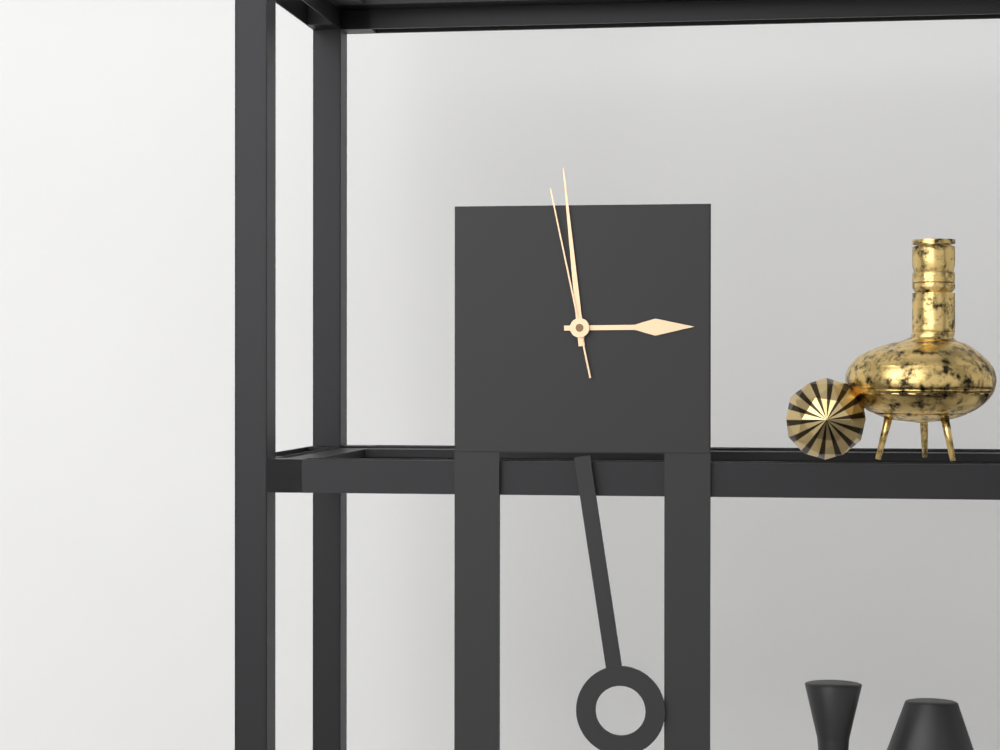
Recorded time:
2h59m58s
